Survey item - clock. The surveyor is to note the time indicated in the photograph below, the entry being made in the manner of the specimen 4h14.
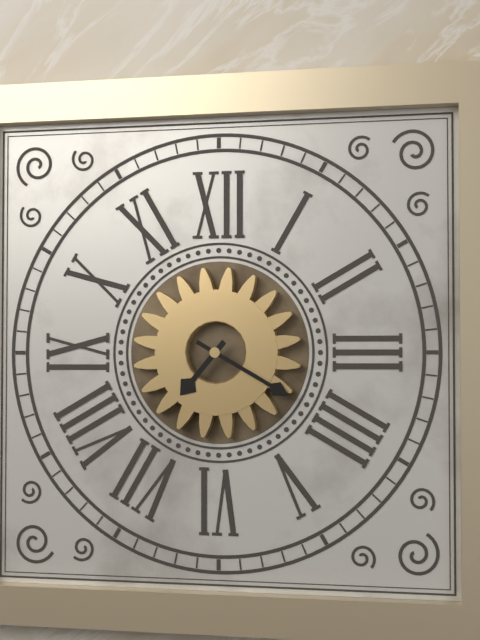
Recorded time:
7h20
